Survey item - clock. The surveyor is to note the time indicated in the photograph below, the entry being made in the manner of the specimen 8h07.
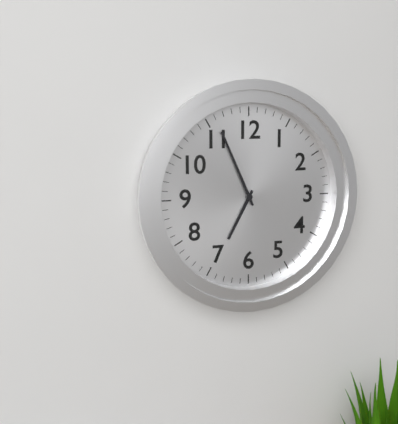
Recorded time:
6h56
